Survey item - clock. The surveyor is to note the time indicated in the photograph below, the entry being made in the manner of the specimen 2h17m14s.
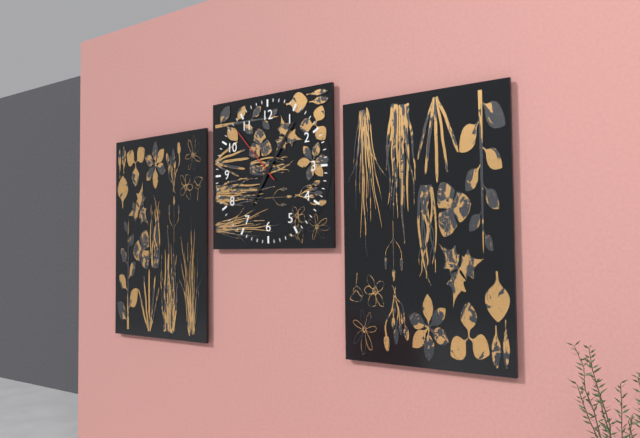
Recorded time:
7h06m53s
